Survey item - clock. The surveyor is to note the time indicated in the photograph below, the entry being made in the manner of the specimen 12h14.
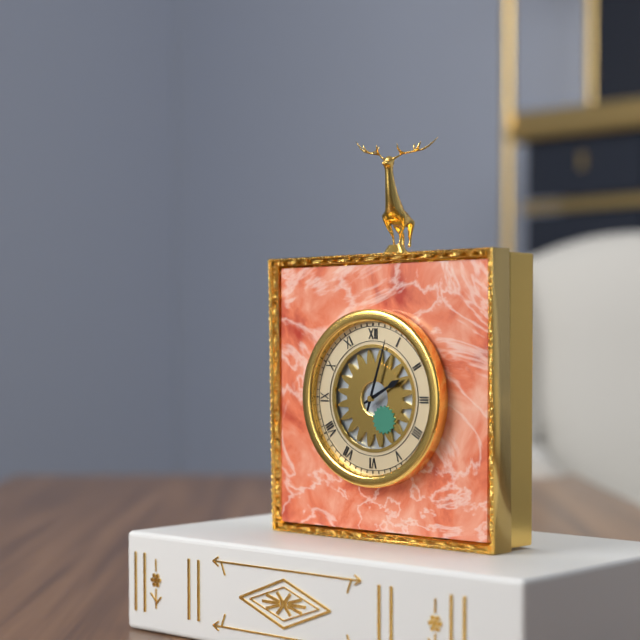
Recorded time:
2h03
